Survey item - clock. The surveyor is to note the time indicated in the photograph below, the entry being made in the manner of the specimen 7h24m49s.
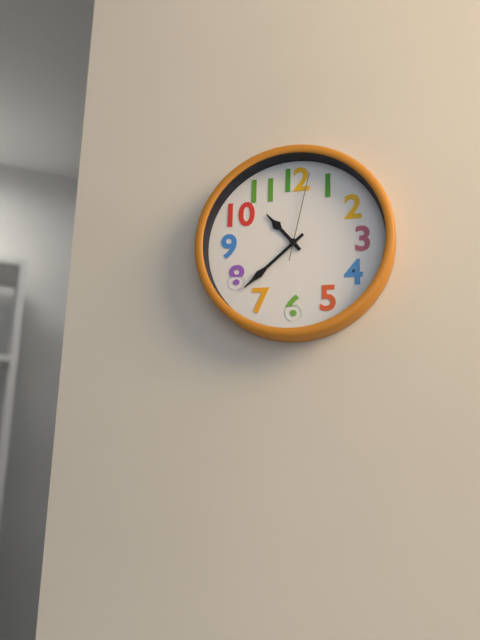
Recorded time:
10h38m02s
